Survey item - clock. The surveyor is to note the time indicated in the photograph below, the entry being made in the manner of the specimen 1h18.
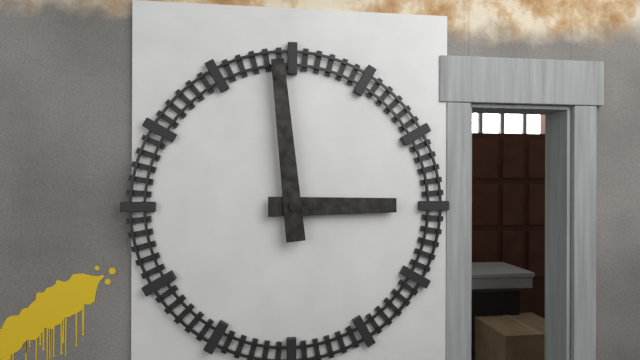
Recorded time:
2h59
